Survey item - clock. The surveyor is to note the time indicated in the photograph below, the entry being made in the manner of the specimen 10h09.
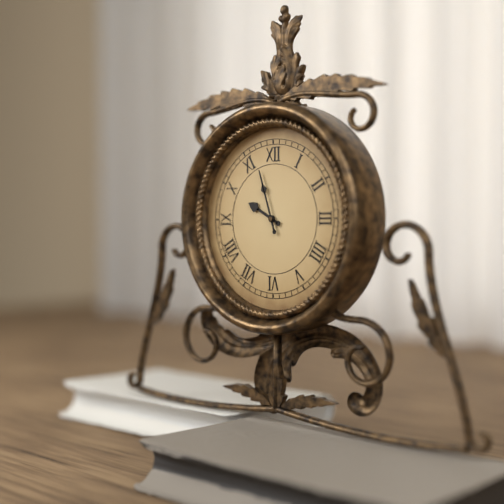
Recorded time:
9h57
